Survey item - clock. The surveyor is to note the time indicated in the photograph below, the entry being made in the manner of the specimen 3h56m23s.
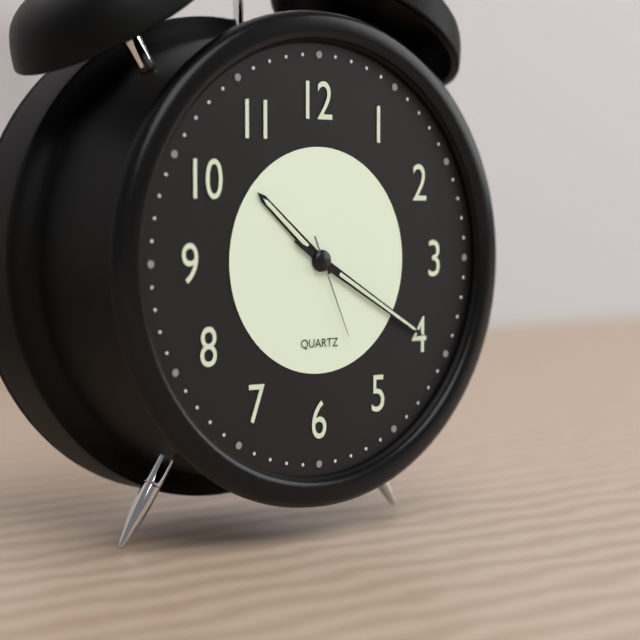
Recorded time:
10h20m26s
